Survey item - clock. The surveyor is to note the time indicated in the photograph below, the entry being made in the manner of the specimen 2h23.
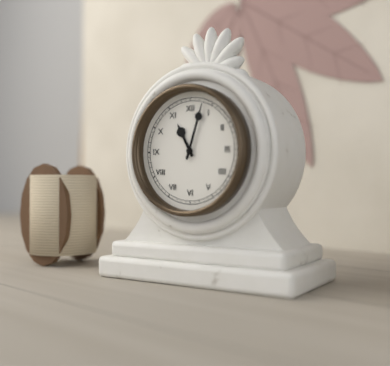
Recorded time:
11h03
